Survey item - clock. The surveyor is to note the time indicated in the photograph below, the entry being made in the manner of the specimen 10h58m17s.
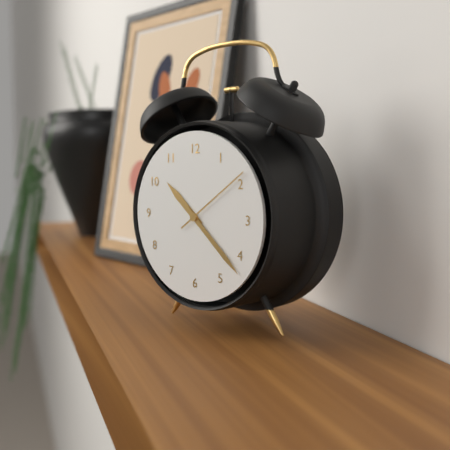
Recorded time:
10h22m09s
